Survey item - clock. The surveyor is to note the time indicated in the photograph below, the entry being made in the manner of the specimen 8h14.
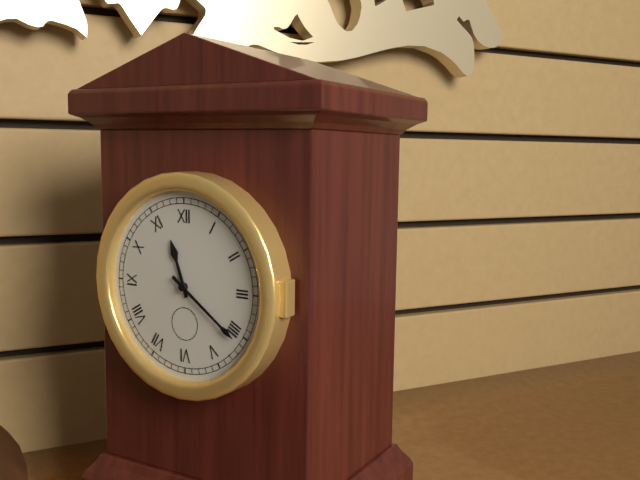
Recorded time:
11h21
